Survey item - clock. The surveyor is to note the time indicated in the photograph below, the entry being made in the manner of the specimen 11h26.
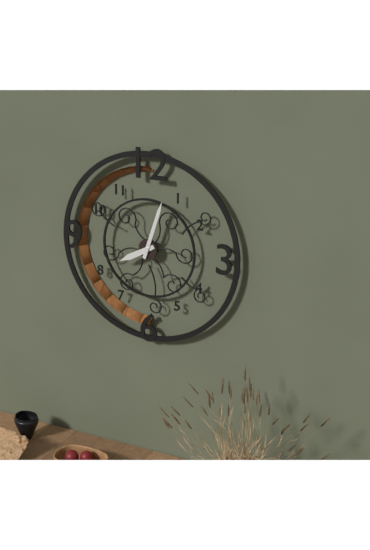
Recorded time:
8h03
